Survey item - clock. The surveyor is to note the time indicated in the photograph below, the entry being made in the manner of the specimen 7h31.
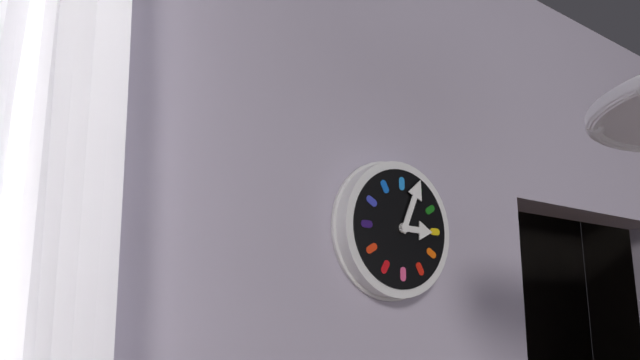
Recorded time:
3h04
